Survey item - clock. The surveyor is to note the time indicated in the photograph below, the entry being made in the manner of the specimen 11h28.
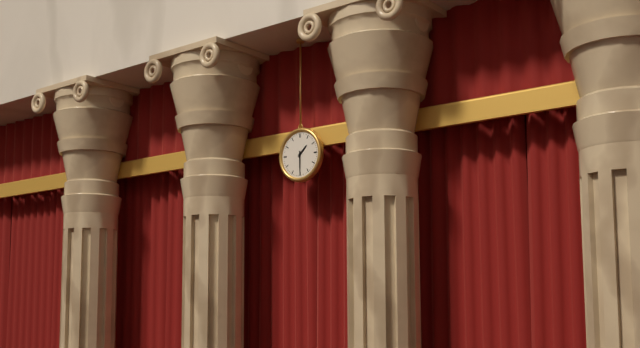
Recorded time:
1h30
